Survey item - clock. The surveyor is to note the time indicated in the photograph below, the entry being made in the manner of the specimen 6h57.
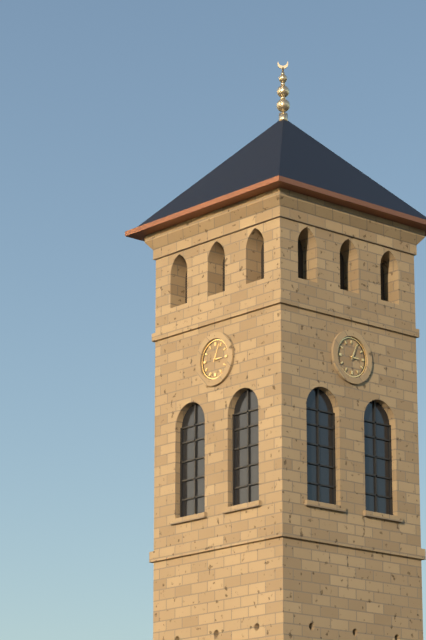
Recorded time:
3h04
